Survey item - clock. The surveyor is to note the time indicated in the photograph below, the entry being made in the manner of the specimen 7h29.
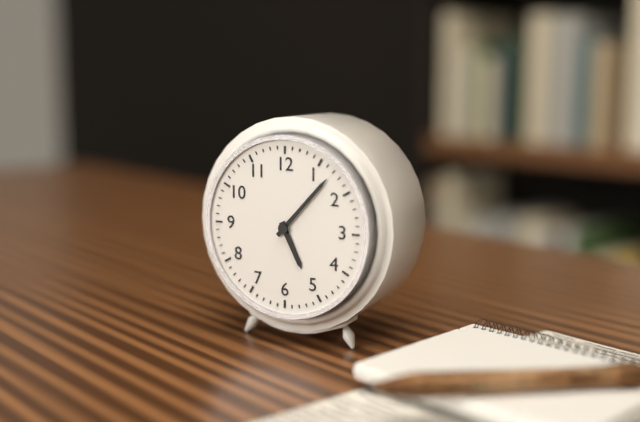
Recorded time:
5h07
